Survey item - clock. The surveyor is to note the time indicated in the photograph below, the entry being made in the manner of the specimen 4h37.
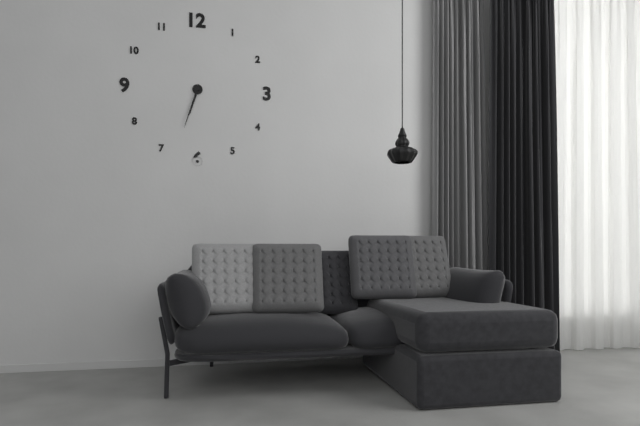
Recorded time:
6h33
